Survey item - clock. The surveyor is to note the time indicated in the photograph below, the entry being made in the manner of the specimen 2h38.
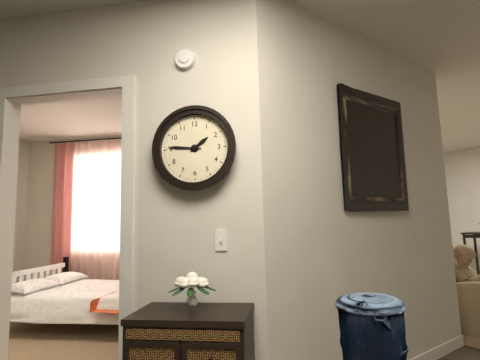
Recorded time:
1h46
